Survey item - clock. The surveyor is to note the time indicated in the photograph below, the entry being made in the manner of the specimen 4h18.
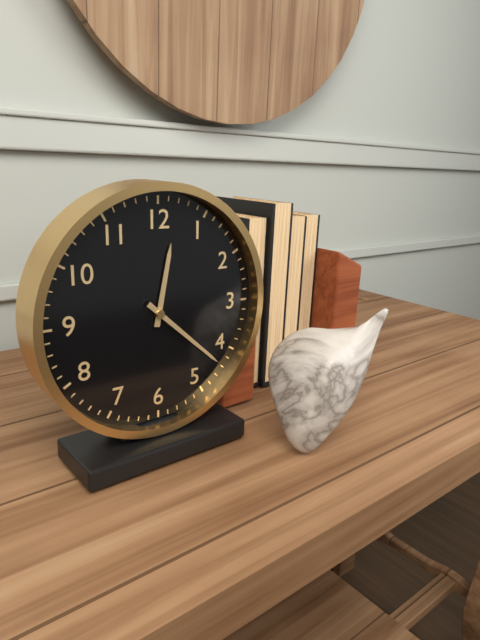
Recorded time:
12h22
